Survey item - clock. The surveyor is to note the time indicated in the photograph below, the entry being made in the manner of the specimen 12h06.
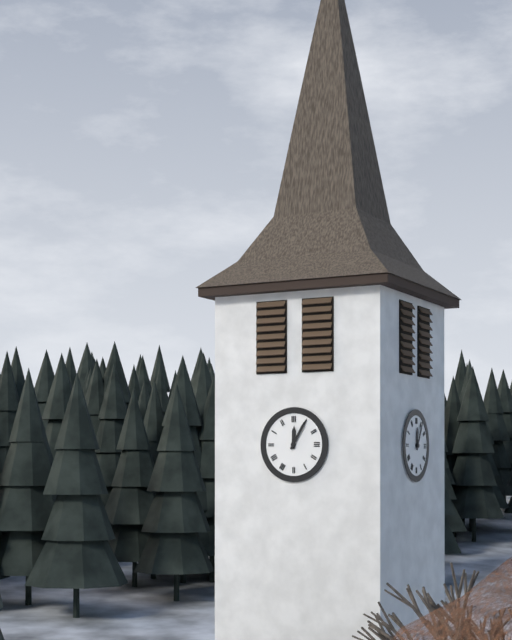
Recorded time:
12h05
